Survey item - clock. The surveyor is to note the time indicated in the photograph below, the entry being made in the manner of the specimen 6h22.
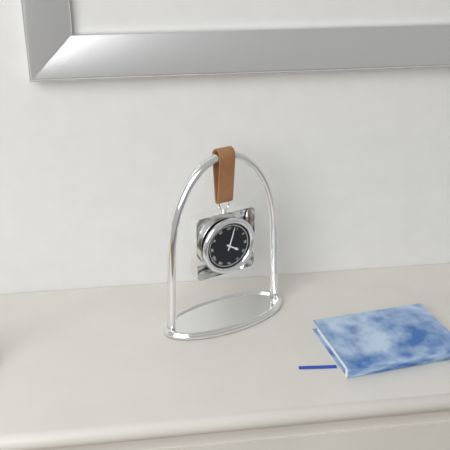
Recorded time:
4h03
